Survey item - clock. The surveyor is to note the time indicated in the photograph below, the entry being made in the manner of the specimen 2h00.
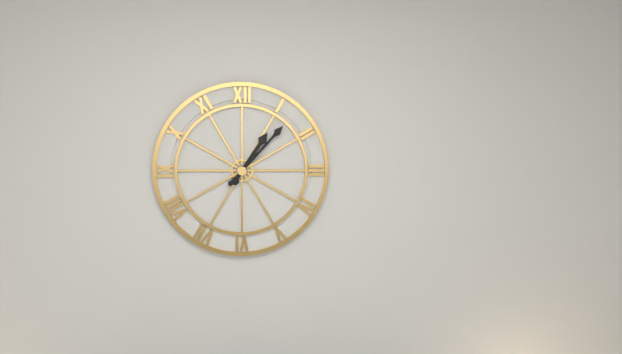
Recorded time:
1h07
